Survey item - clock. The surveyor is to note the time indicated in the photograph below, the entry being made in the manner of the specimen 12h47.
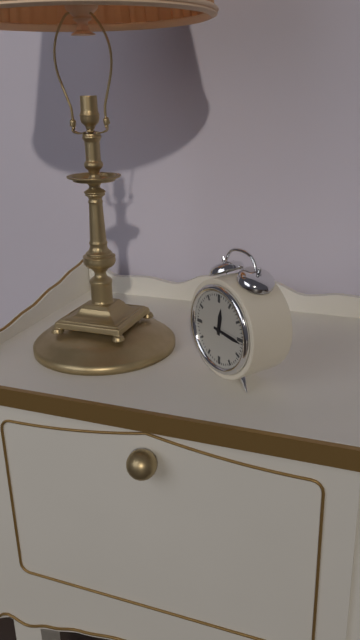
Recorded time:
12h16
